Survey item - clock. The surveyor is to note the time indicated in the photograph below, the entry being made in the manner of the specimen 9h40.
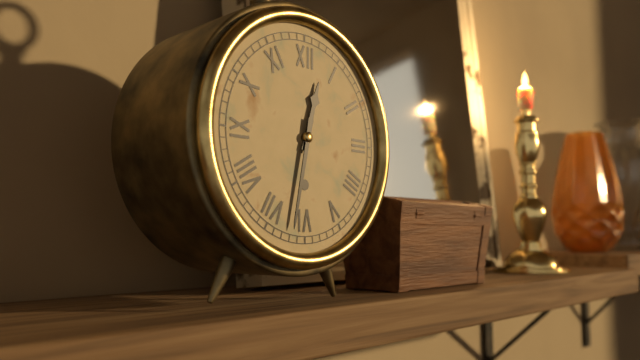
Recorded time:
12h32
